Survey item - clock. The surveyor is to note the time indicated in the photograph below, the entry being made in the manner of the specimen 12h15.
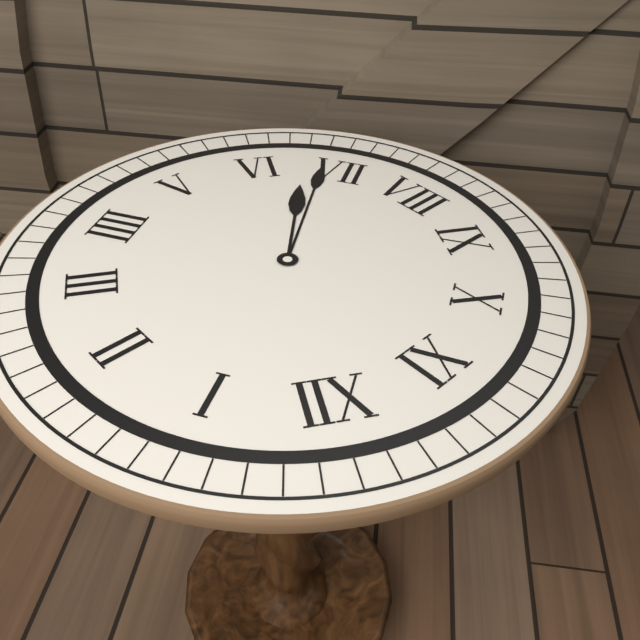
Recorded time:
6h34
